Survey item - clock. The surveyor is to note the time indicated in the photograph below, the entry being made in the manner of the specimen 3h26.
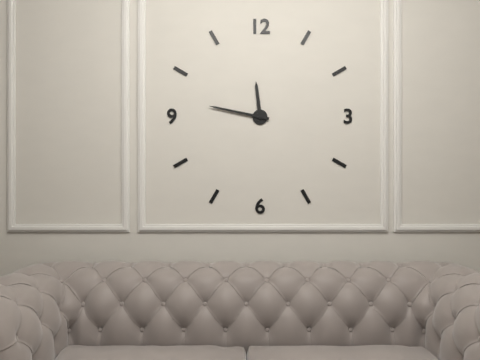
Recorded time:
11h47
